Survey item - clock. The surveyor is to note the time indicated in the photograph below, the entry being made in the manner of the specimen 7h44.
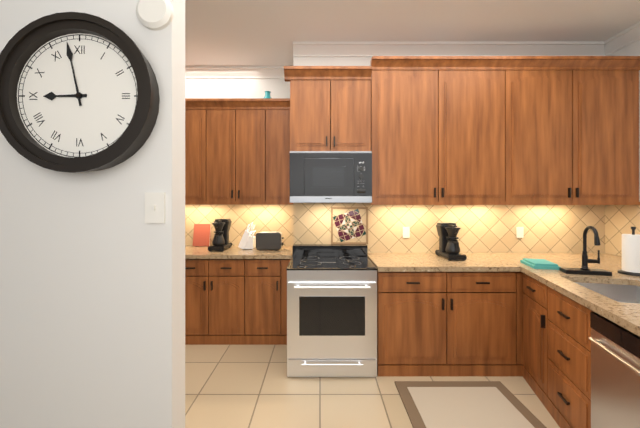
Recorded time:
8h58
